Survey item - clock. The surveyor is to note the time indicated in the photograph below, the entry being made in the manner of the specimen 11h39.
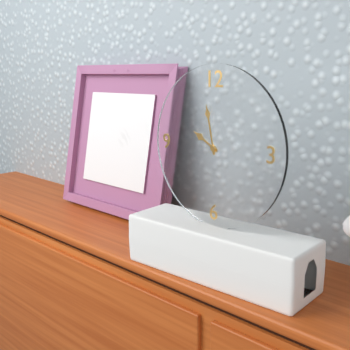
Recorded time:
9h58
